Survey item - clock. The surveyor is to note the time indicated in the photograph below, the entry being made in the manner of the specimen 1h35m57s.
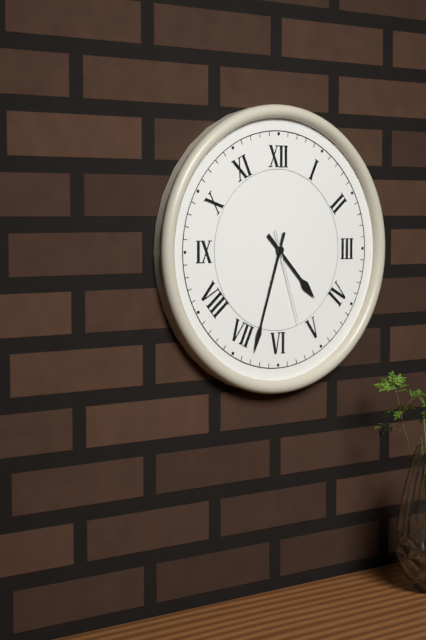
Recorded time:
4h33m27s
